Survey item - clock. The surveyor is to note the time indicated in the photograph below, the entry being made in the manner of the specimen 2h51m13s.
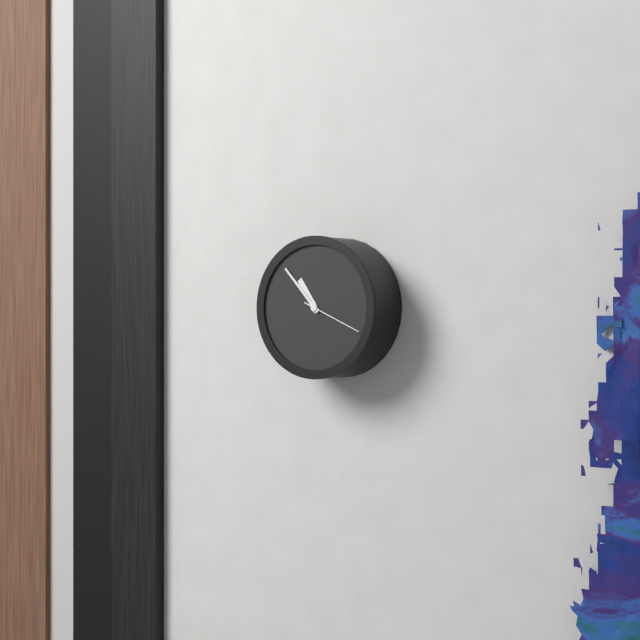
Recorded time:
10h53m19s
